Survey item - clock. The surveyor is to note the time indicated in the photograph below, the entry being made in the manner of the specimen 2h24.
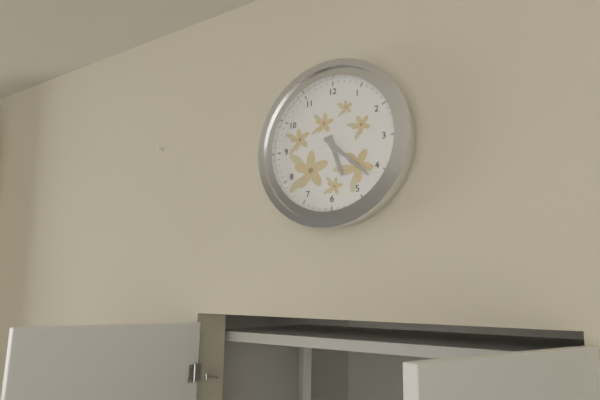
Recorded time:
5h22
